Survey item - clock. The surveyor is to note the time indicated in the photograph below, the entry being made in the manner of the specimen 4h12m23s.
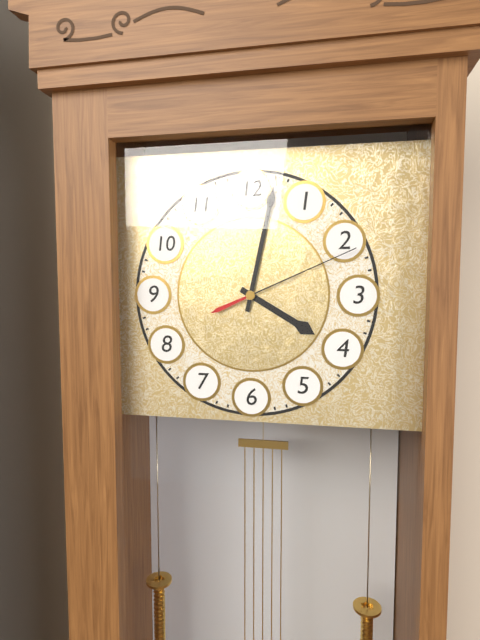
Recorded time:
4h02m11s
